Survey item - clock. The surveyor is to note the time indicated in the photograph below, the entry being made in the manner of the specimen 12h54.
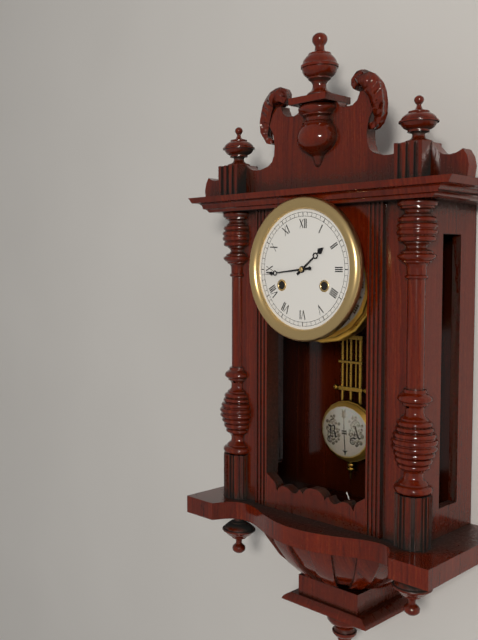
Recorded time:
1h44
